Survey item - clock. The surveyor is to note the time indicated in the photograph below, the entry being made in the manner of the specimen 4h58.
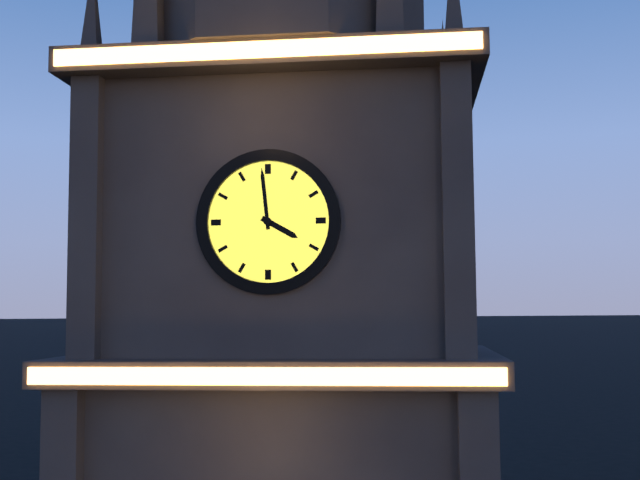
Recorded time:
3h59
